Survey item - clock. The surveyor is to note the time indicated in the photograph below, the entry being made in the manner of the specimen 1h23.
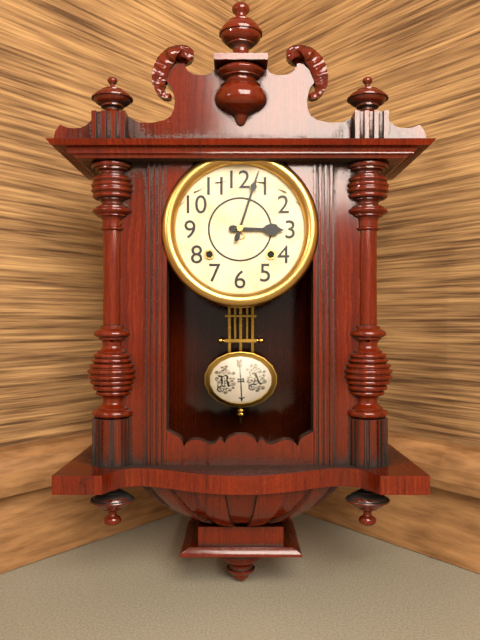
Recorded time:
3h03
